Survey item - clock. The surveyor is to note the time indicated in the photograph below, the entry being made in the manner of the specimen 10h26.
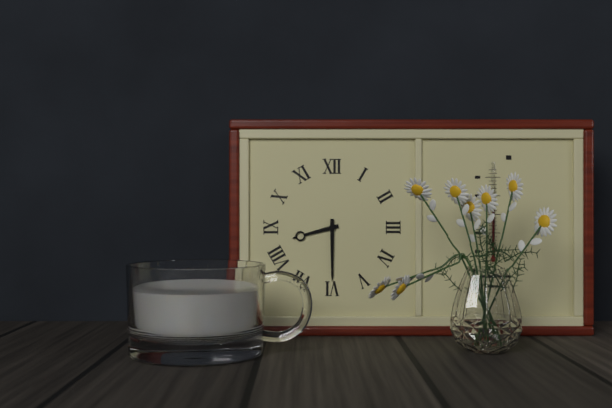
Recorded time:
8h30
